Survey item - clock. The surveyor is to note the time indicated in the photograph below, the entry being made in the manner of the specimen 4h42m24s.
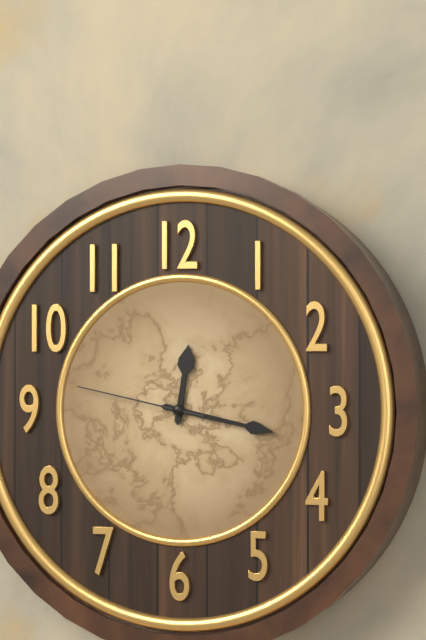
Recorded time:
12h17m47s
